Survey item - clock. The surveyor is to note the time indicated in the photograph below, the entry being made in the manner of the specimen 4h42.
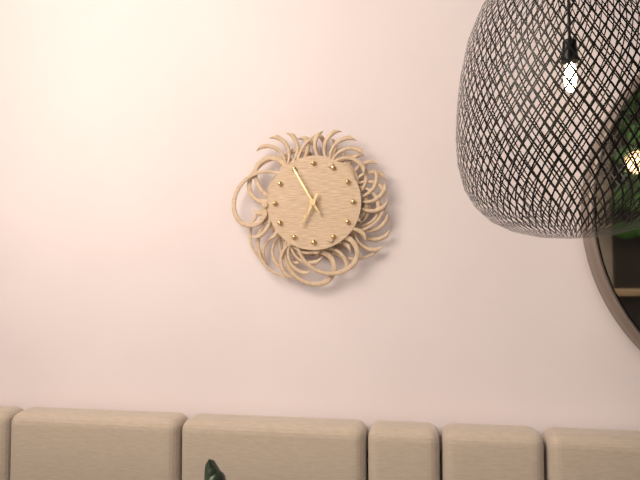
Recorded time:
6h55
